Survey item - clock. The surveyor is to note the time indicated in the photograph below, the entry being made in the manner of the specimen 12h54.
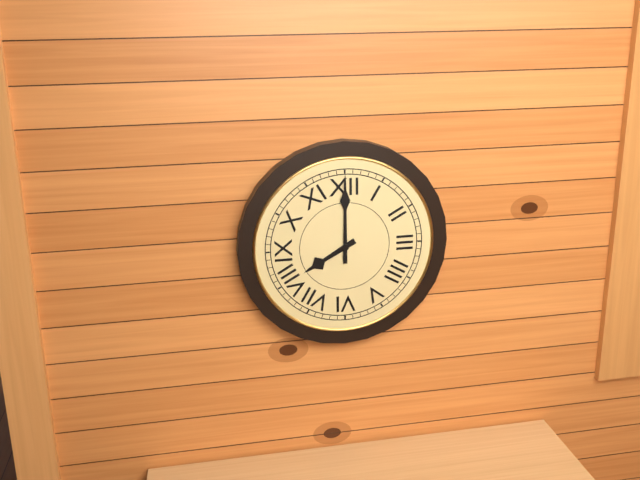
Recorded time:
8h00
